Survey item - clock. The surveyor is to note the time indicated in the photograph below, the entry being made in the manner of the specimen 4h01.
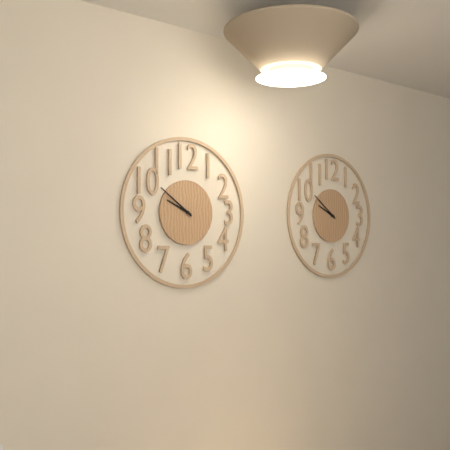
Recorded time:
9h51
